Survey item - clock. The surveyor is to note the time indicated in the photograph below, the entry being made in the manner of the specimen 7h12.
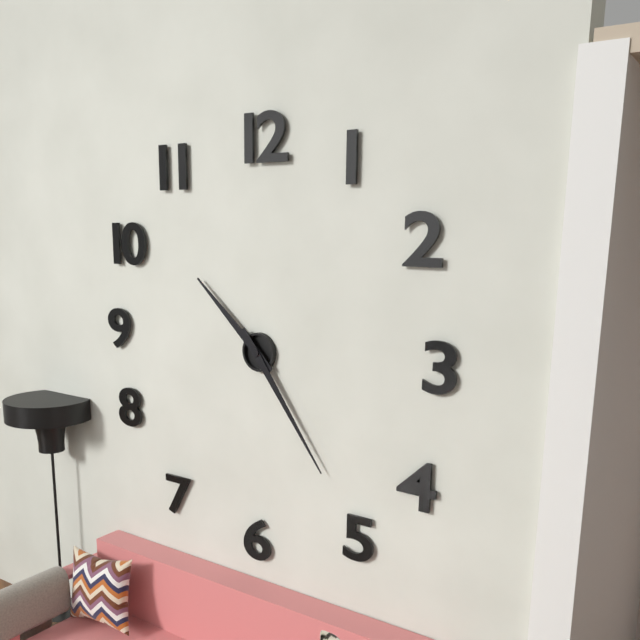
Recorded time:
10h24
